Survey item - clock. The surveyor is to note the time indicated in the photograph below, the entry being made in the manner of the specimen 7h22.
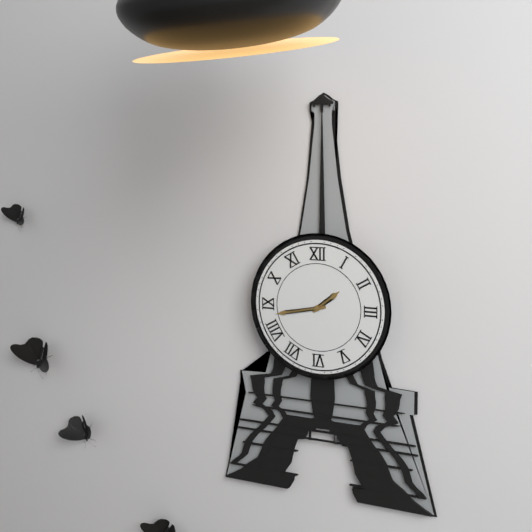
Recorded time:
1h43
